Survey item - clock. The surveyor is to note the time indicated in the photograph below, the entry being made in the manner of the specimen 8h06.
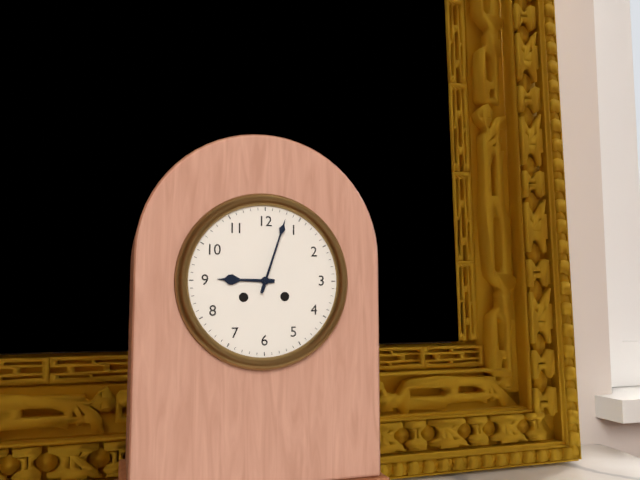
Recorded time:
9h03
